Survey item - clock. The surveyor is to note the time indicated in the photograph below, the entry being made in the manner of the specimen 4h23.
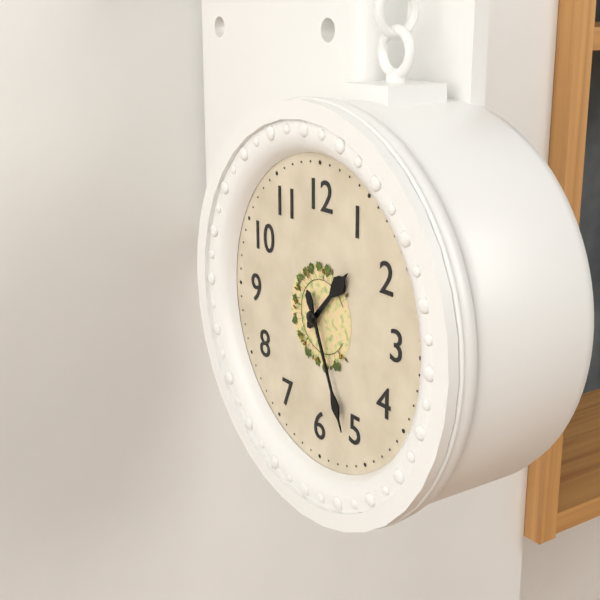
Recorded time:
1h26
